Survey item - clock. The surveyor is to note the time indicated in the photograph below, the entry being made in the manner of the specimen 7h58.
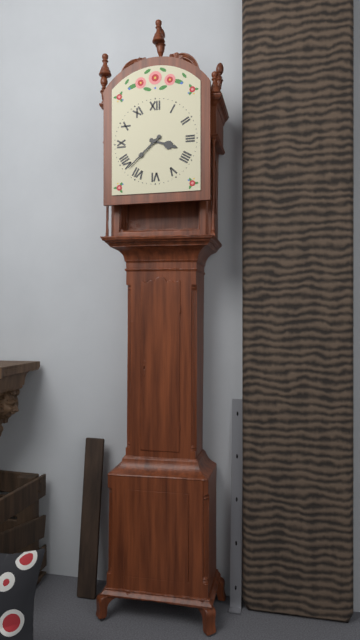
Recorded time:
3h38
